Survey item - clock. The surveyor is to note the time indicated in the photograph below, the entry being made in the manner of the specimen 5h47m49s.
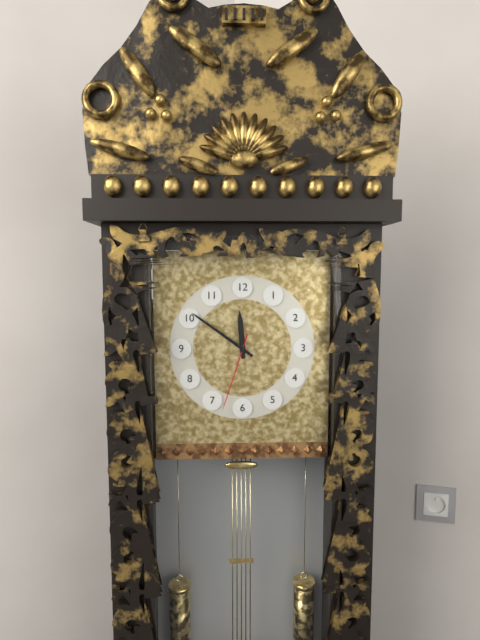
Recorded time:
11h51m33s
